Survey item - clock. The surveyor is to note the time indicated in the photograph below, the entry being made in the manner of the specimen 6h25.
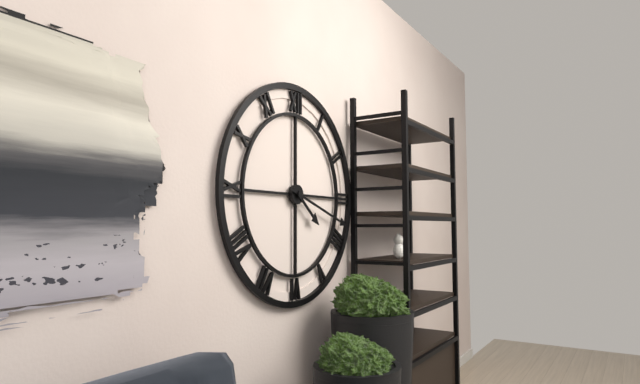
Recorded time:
4h18
